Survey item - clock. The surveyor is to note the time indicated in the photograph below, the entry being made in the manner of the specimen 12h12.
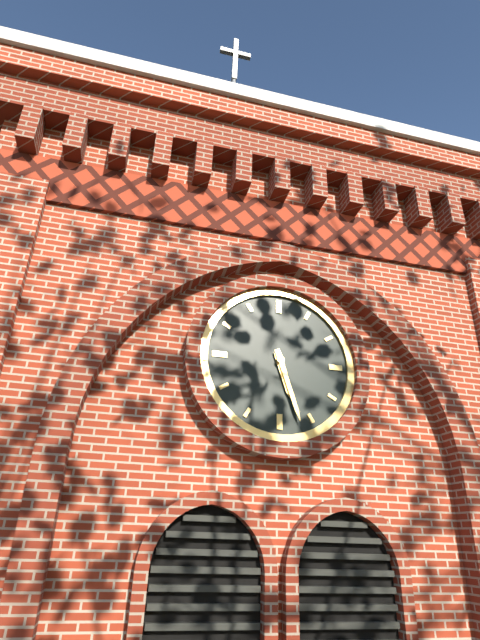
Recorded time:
5h27
